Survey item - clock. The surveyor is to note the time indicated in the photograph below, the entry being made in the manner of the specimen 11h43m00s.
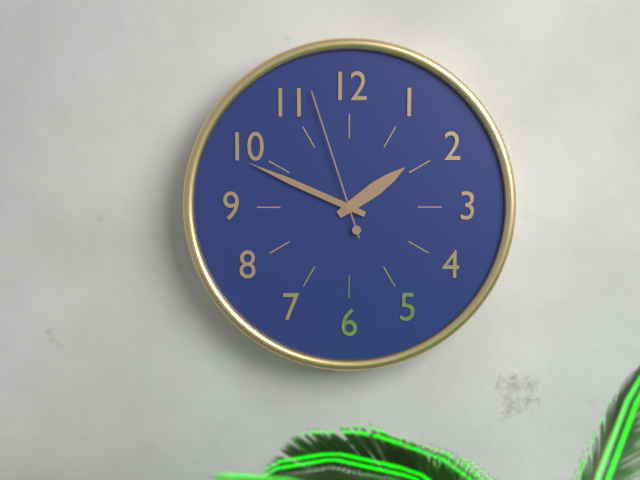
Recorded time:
1h49m57s
